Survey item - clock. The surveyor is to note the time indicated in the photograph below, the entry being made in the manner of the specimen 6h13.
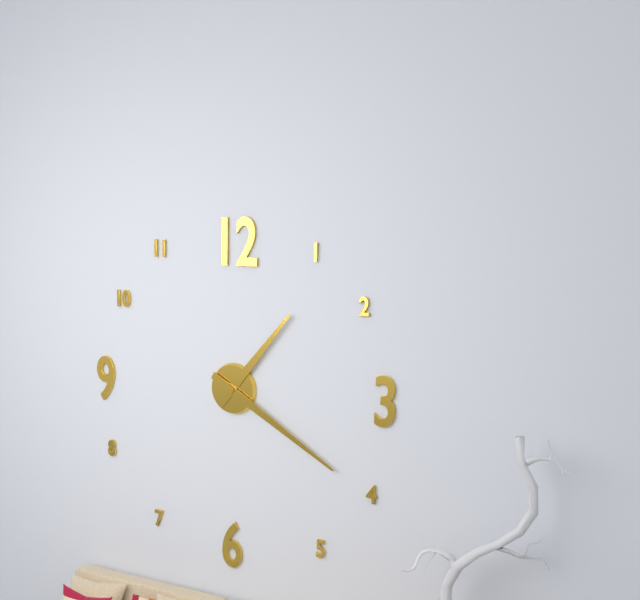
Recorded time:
1h20
